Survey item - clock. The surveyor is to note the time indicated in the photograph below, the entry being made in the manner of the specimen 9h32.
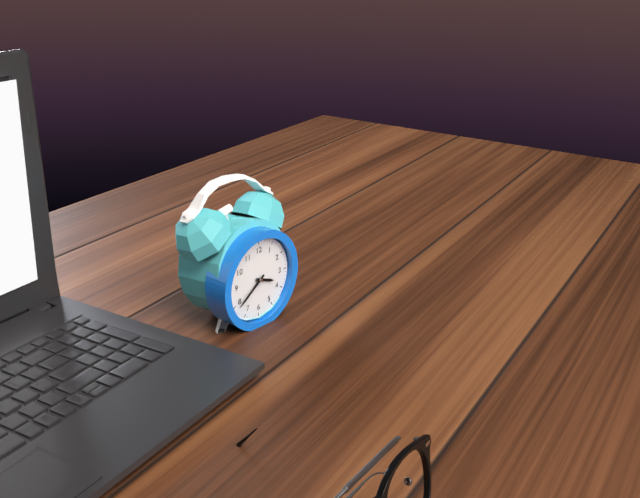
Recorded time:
3h39
